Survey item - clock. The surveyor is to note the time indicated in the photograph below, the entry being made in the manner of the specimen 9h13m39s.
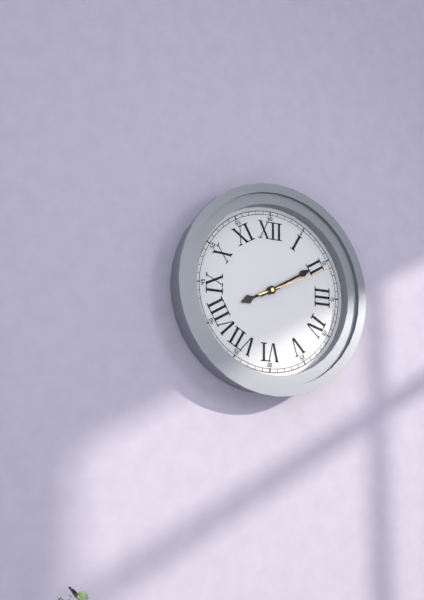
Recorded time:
8h10m11s
